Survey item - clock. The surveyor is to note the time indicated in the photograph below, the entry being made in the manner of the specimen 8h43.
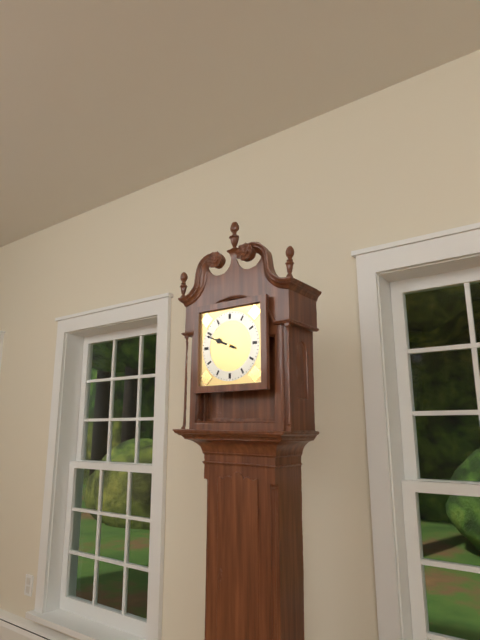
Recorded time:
9h49
